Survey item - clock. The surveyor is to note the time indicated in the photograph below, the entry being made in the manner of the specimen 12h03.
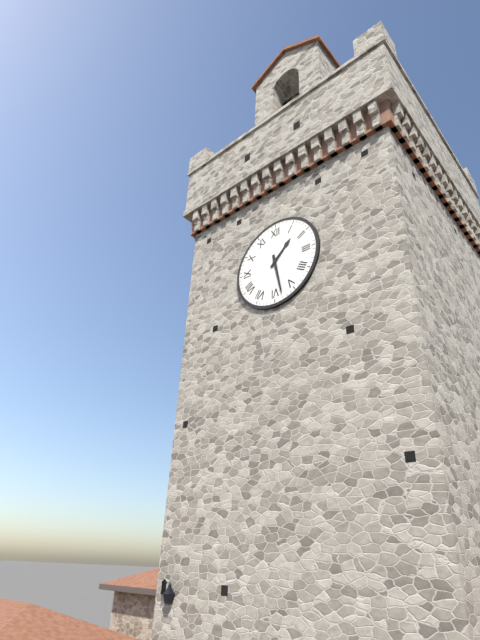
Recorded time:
1h28
